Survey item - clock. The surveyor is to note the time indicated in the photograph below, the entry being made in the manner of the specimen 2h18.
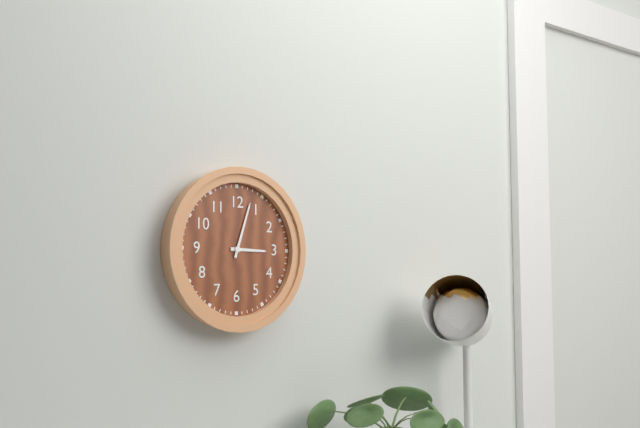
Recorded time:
3h03
